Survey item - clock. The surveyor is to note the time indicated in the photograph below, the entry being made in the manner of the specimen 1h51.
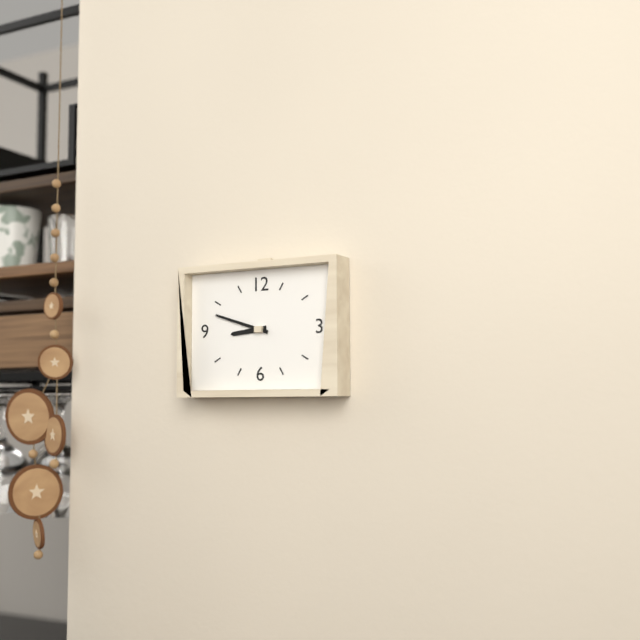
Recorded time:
8h48
